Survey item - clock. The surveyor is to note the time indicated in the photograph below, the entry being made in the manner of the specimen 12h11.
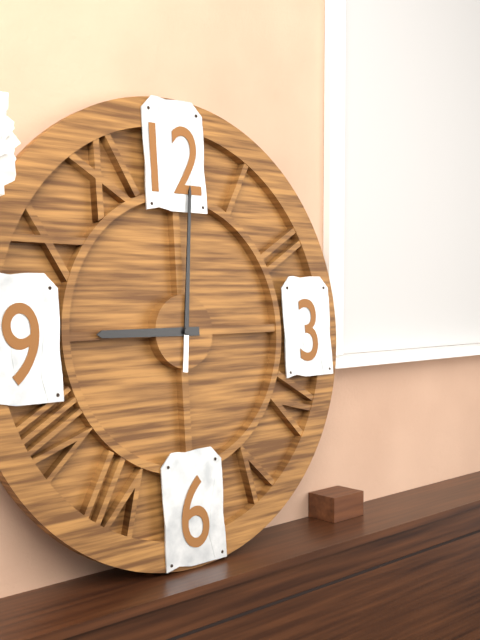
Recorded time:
9h01
